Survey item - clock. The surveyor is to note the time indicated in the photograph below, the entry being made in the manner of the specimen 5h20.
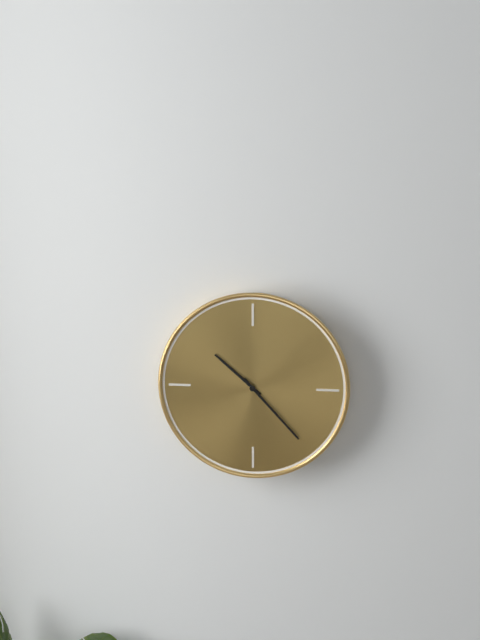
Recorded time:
10h23
